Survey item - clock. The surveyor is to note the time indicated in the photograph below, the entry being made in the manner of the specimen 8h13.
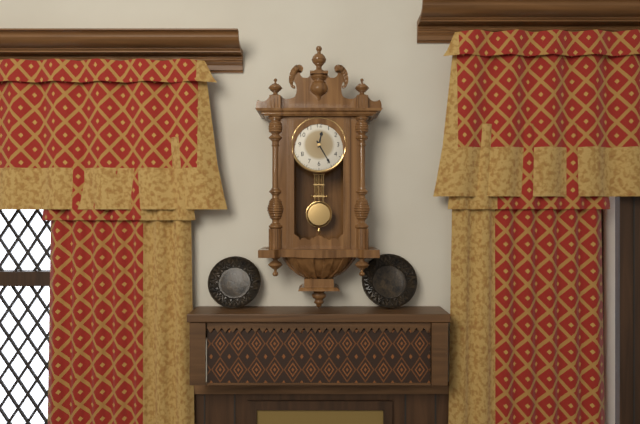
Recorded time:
12h25
